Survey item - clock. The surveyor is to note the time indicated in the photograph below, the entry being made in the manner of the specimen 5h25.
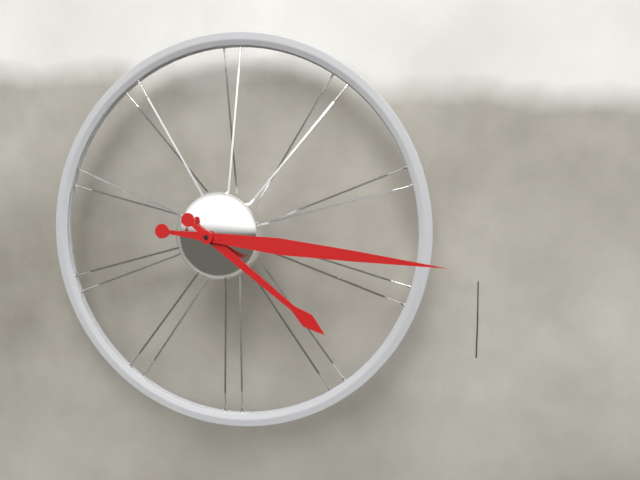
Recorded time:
4h16
